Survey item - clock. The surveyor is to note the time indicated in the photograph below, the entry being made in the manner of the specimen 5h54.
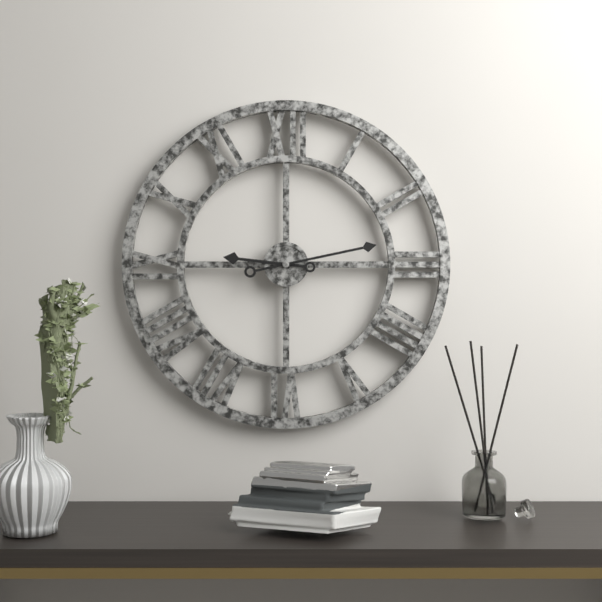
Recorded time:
9h13
